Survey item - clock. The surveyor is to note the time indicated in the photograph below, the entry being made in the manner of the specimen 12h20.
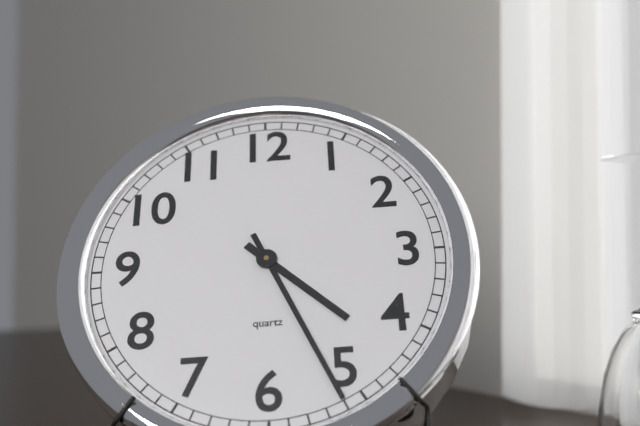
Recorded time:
4h26
